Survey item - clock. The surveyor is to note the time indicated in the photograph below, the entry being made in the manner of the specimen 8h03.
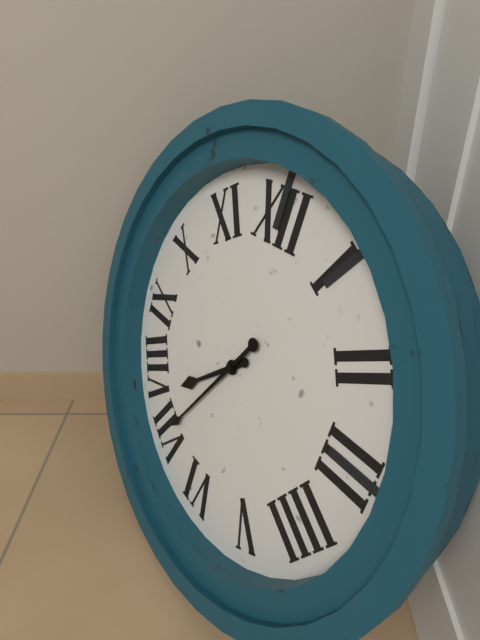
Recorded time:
7h35
